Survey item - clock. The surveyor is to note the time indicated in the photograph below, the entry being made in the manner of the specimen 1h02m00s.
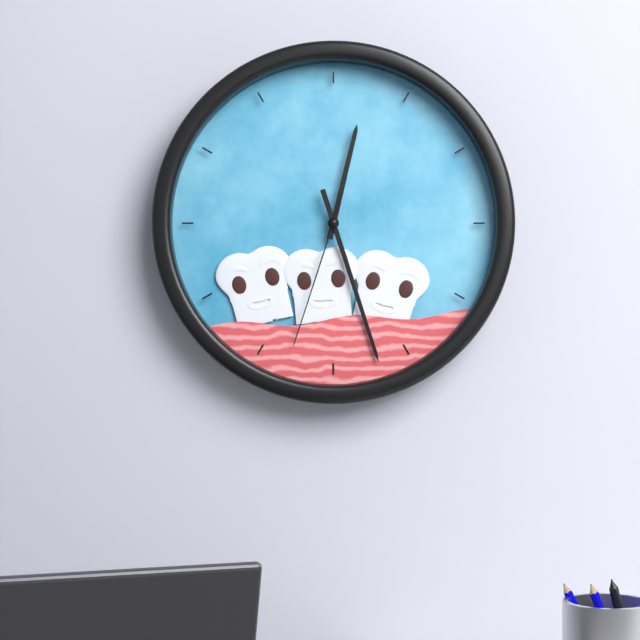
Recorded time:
12h27m33s
